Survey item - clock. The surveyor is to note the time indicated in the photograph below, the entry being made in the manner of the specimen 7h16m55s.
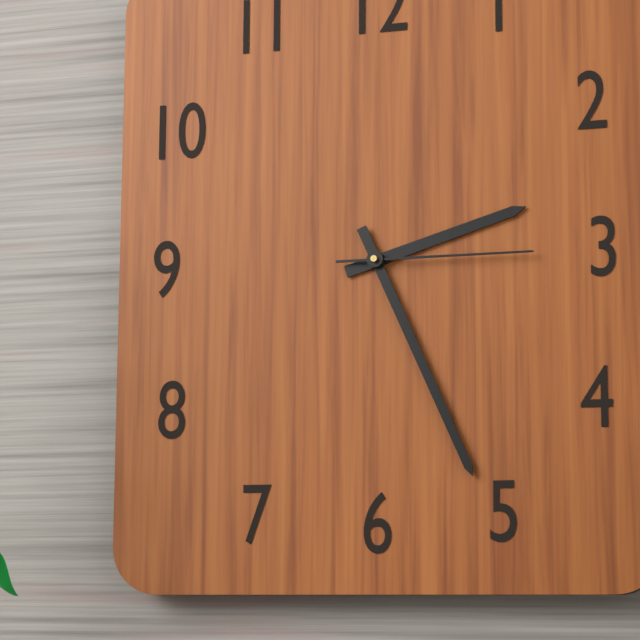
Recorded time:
2h26m15s
